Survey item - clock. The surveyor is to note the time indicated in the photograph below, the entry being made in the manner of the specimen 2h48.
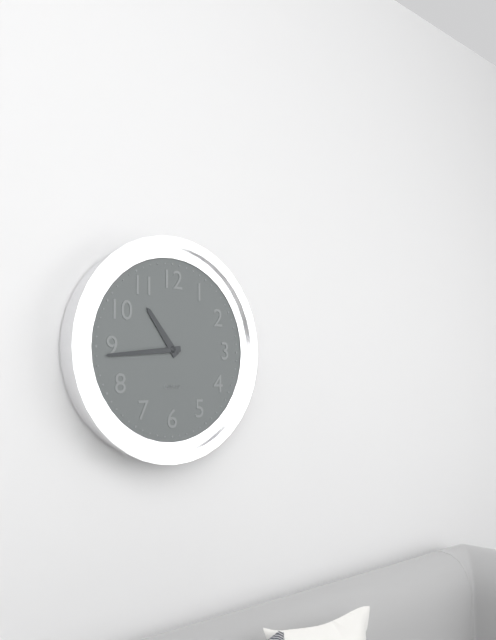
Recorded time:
10h44
